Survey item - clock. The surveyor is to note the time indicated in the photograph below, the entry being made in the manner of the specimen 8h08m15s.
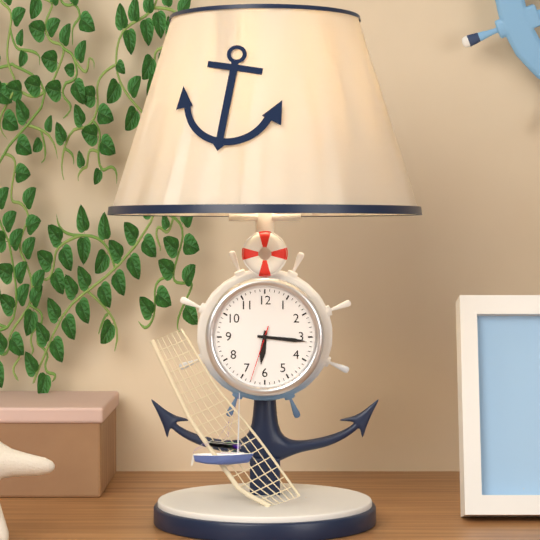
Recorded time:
6h16m33s
